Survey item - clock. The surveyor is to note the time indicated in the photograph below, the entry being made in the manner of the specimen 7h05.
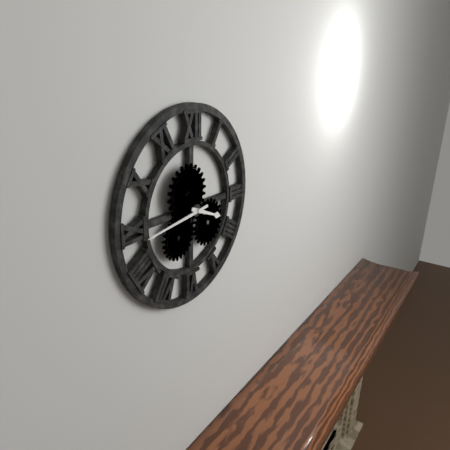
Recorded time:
3h44
